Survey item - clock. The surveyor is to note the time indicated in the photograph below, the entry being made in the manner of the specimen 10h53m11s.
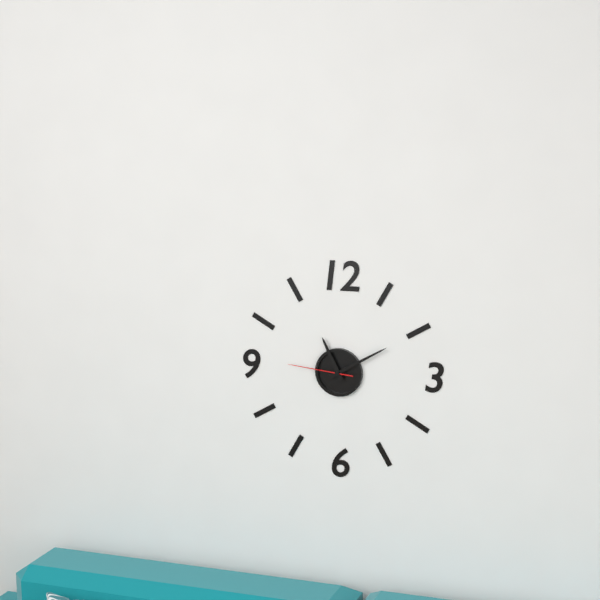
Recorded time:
11h10m46s
